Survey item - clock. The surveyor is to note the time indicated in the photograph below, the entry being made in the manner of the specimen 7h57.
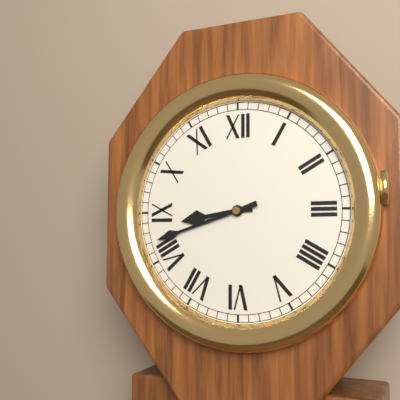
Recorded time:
8h42
